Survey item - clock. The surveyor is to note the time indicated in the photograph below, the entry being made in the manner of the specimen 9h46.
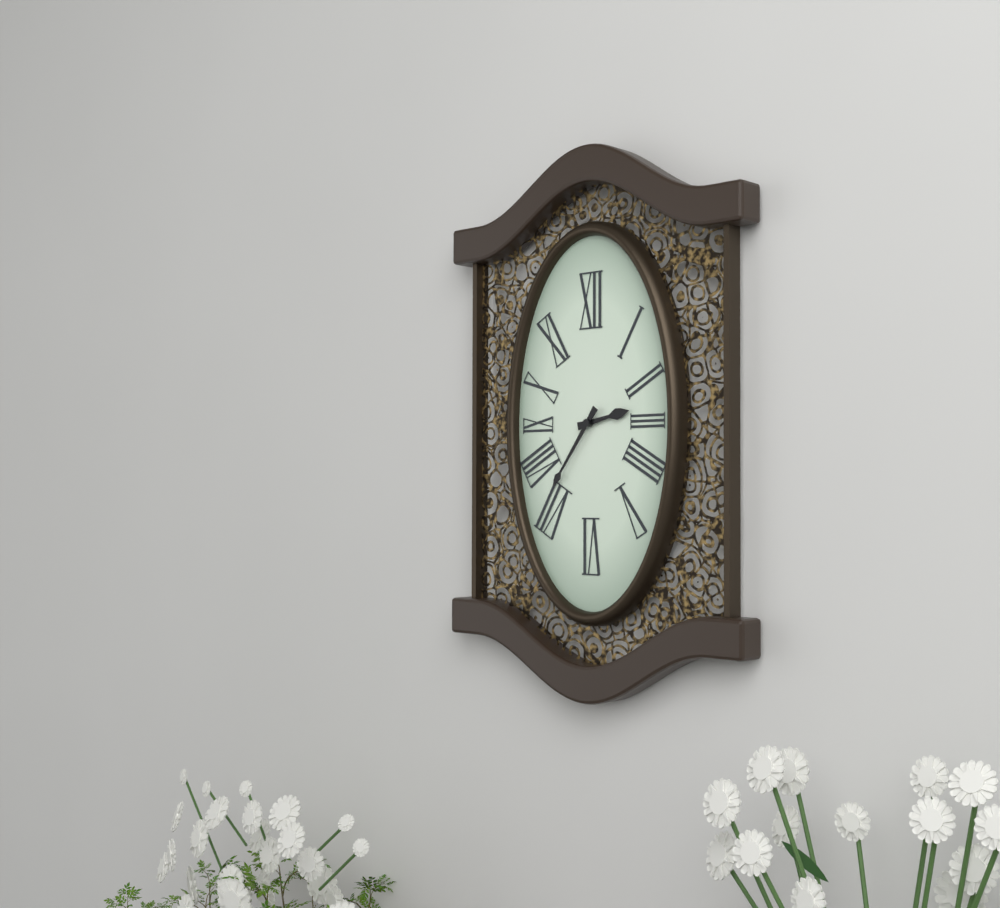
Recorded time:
2h36
